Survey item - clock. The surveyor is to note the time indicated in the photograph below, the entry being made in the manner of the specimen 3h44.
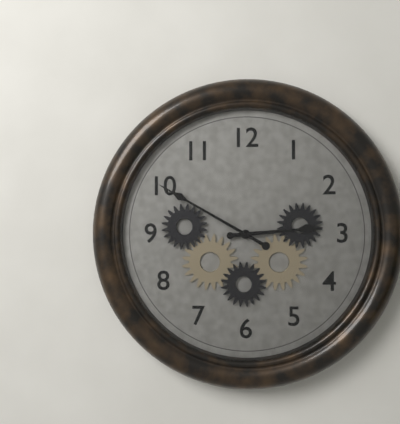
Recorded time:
2h50
